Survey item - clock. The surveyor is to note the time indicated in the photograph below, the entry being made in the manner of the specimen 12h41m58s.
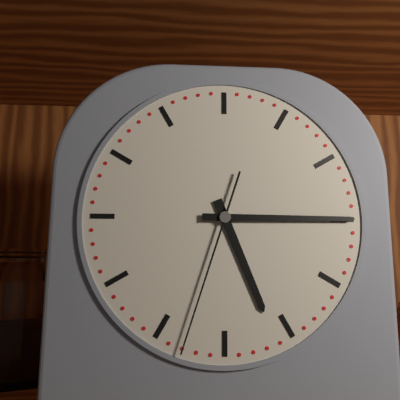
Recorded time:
5h15m33s
